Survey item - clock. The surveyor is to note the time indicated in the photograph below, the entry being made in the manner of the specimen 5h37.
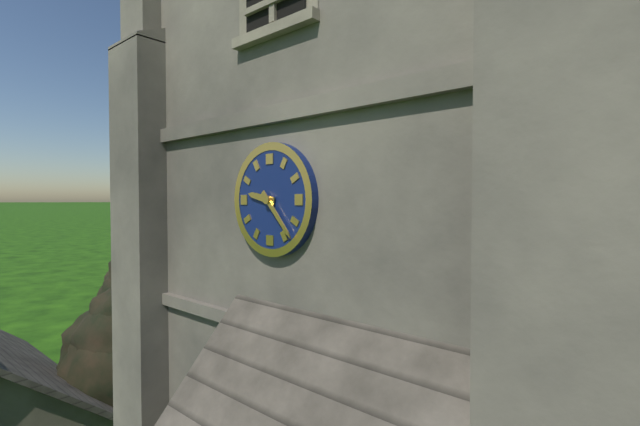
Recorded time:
9h23
